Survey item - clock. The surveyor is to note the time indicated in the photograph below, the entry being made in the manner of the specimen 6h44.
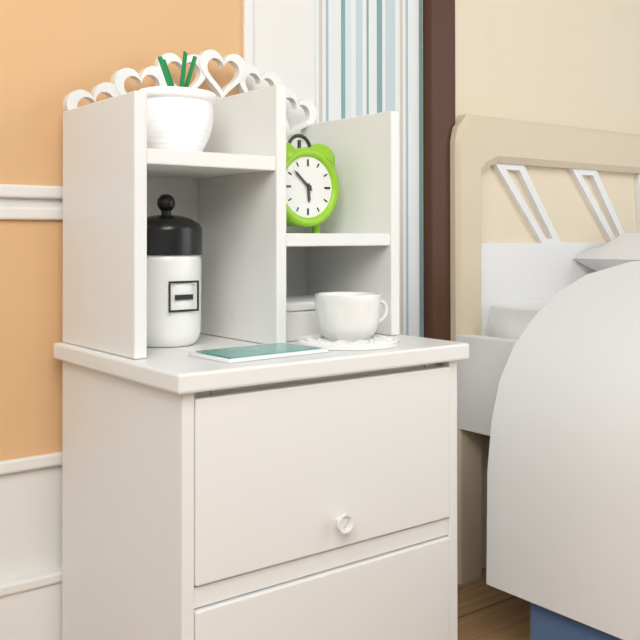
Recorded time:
5h52
